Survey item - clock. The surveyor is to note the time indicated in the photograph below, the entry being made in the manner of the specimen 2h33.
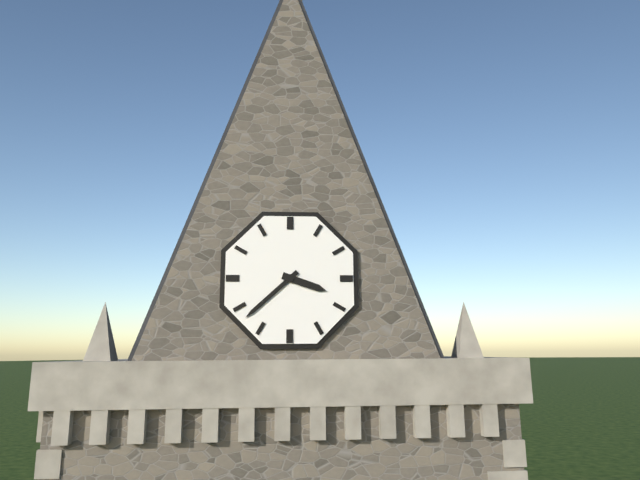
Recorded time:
3h38
